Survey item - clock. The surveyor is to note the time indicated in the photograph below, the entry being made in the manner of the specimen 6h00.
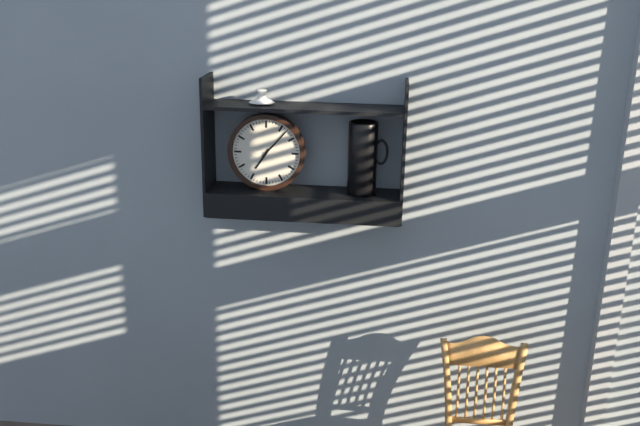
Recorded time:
7h07
